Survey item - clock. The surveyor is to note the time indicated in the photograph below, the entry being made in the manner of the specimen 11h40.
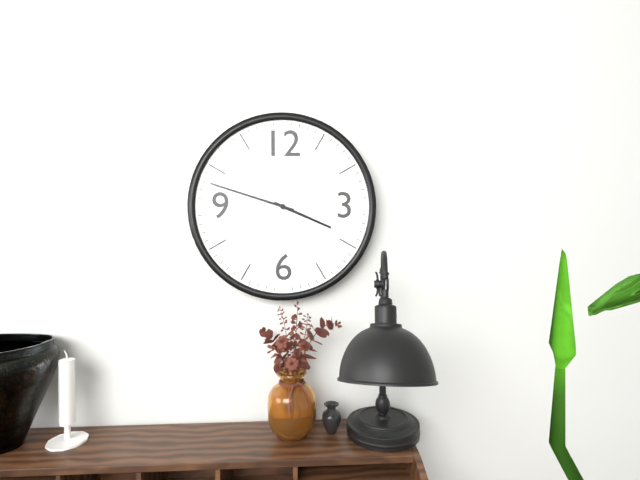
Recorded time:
3h48
